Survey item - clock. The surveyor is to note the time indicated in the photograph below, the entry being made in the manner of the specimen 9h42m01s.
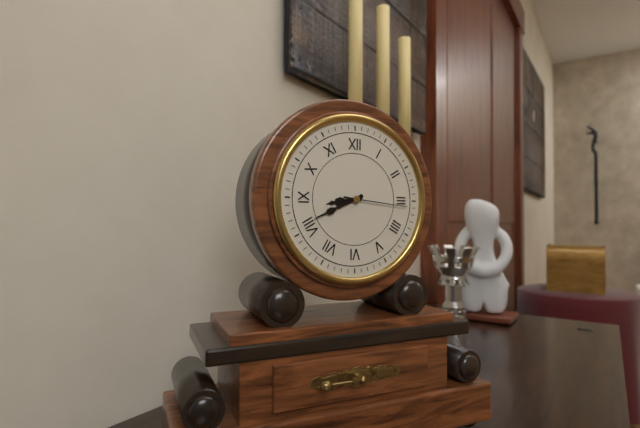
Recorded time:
8h41m16s
